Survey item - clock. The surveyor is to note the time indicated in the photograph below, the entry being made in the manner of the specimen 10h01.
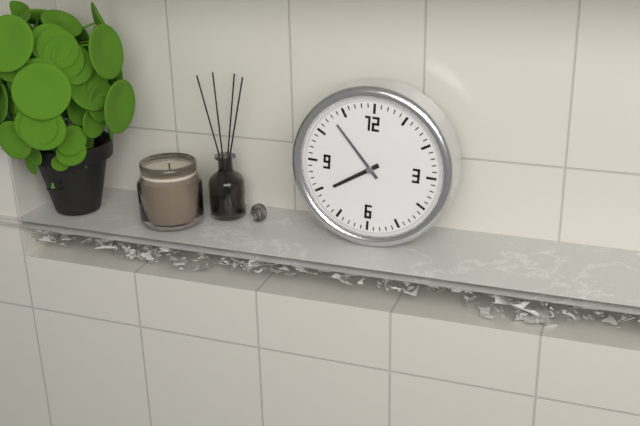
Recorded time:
7h53
